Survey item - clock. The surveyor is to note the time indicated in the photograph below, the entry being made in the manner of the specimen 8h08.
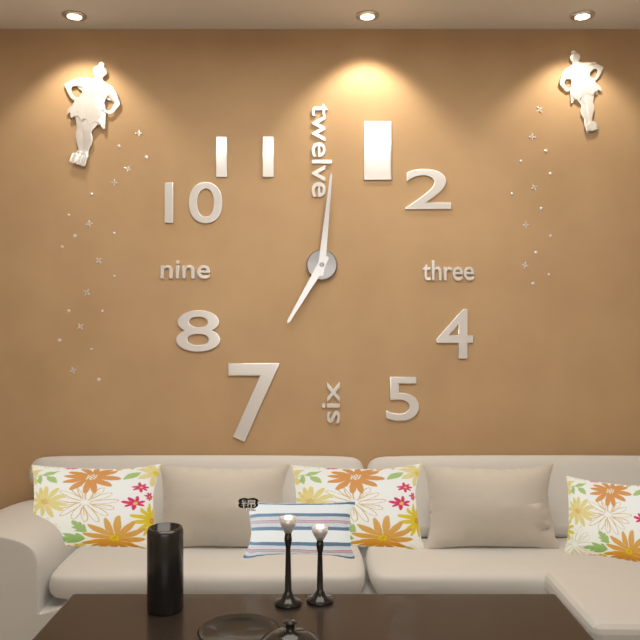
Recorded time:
7h01
